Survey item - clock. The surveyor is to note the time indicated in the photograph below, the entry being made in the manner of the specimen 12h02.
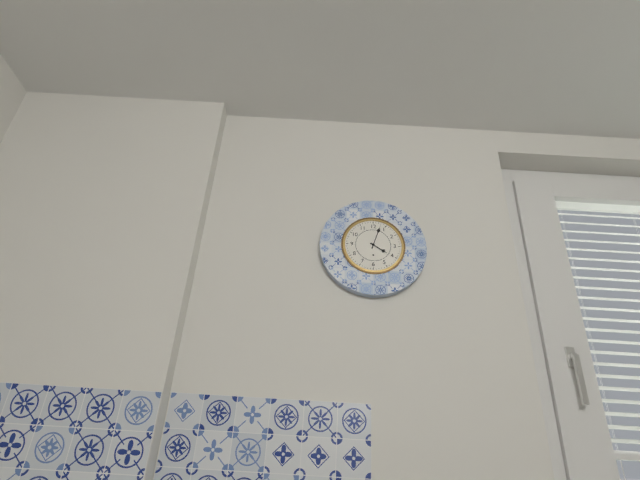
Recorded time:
4h03
